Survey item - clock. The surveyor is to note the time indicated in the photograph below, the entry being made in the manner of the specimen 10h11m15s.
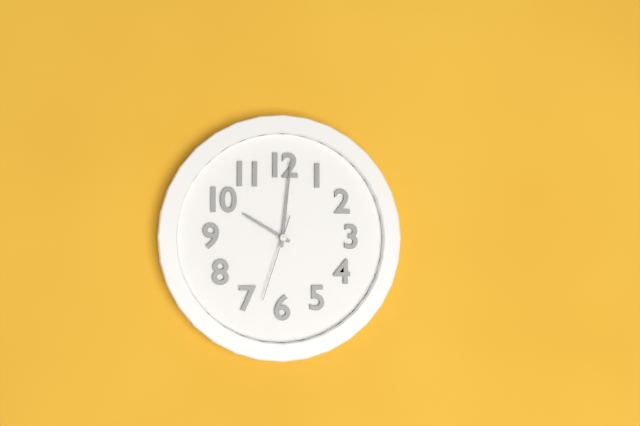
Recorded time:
10h01m33s
